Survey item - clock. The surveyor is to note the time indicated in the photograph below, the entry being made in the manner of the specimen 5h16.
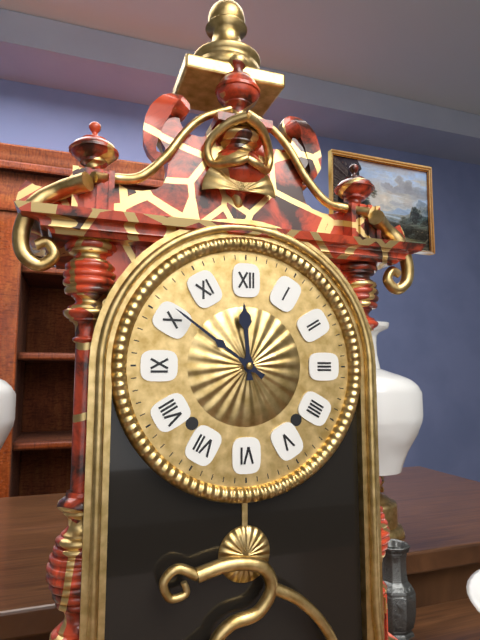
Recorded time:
11h51
